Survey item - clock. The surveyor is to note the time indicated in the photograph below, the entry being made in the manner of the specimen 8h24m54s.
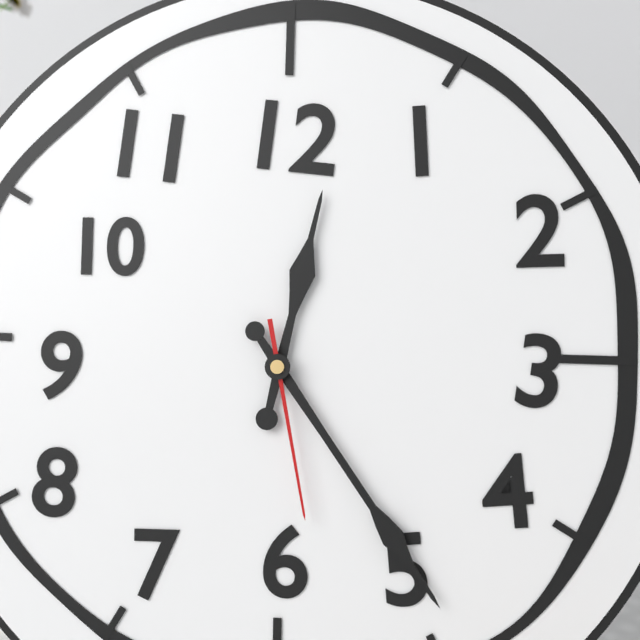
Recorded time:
12h24m28s
